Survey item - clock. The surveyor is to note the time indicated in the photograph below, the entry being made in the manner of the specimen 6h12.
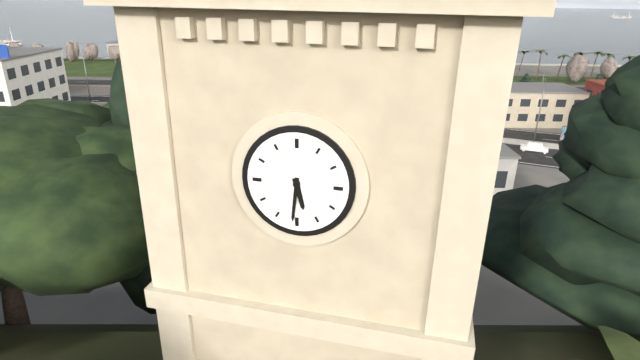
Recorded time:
5h31
